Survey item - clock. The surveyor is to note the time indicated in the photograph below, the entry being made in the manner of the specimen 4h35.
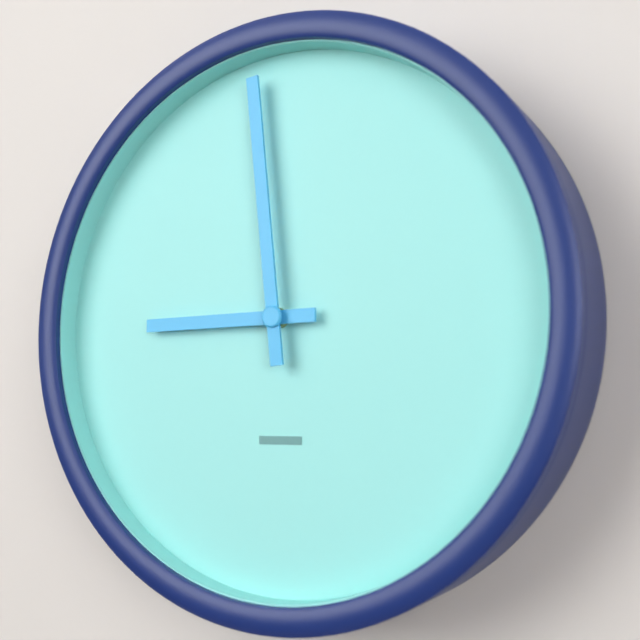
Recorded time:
8h59
